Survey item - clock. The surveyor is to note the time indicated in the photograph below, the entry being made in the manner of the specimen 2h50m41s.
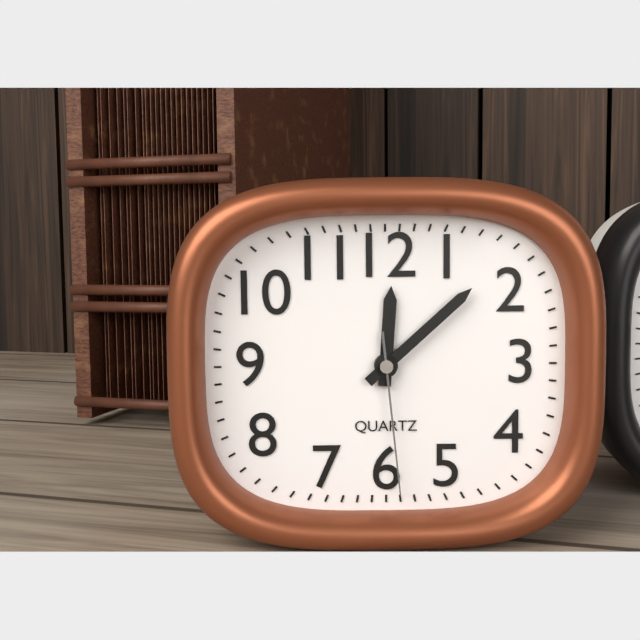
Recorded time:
12h08m29s
